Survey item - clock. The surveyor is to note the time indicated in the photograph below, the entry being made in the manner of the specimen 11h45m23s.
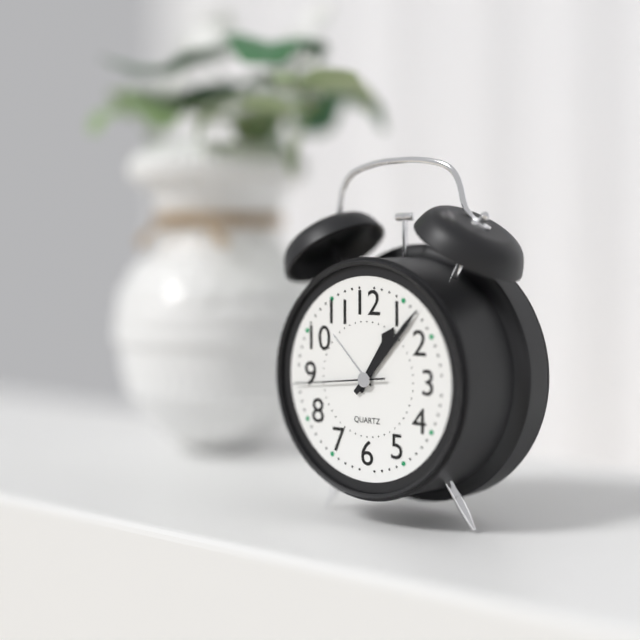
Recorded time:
1h07m44s
